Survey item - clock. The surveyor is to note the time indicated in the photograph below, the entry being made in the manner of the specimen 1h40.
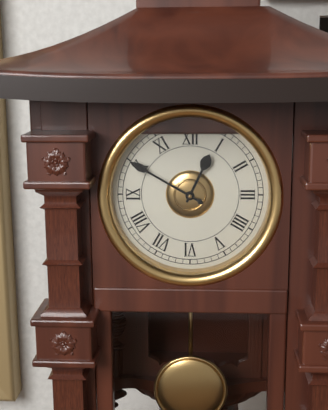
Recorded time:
12h50
